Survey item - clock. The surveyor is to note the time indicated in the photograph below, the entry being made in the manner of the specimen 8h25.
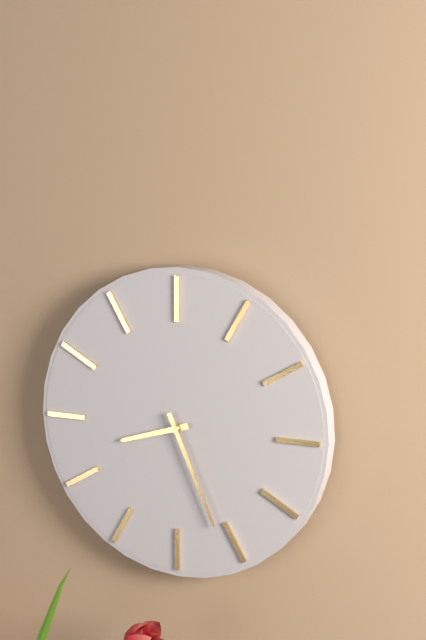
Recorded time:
8h26
